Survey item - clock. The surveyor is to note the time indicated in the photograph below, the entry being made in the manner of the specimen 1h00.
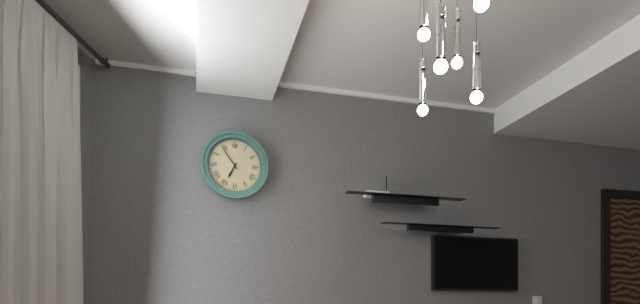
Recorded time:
6h54
